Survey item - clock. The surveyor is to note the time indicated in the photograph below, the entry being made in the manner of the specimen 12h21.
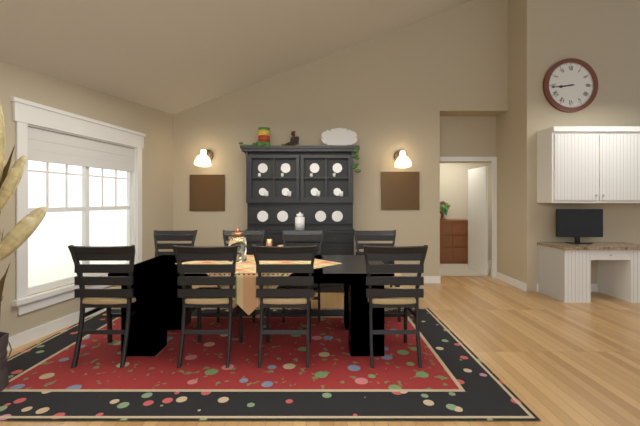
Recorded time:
8h44
